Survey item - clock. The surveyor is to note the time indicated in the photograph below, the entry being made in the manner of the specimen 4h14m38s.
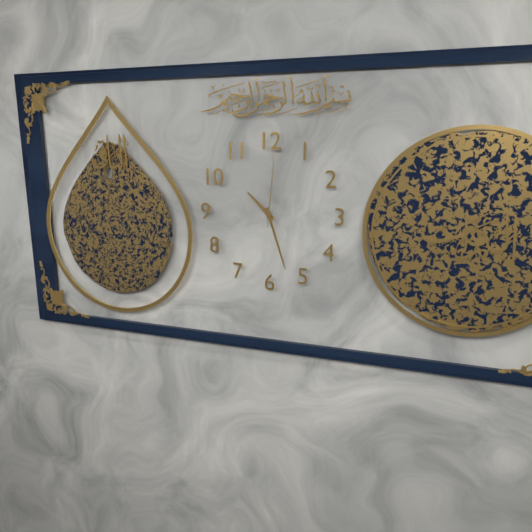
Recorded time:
10h27m01s
